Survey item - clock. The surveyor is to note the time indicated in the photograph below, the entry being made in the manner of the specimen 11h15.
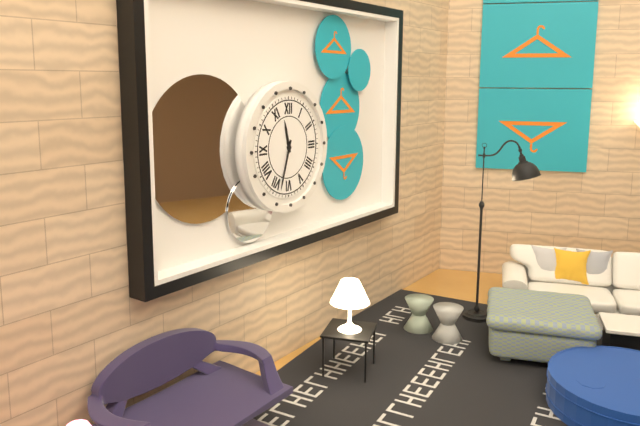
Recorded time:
11h33
